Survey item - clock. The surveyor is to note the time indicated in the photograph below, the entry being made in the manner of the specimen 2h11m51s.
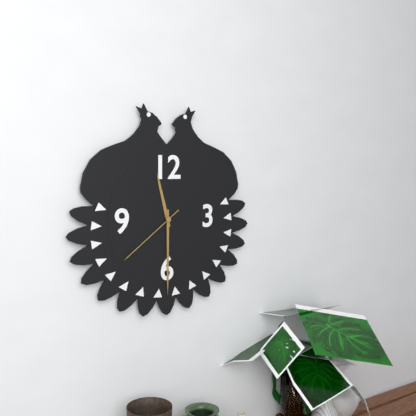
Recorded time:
11h30m39s
